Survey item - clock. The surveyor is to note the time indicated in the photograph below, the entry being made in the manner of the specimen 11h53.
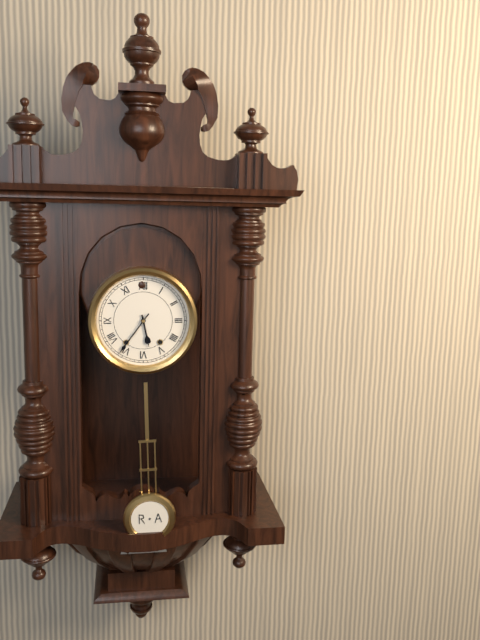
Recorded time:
5h36
